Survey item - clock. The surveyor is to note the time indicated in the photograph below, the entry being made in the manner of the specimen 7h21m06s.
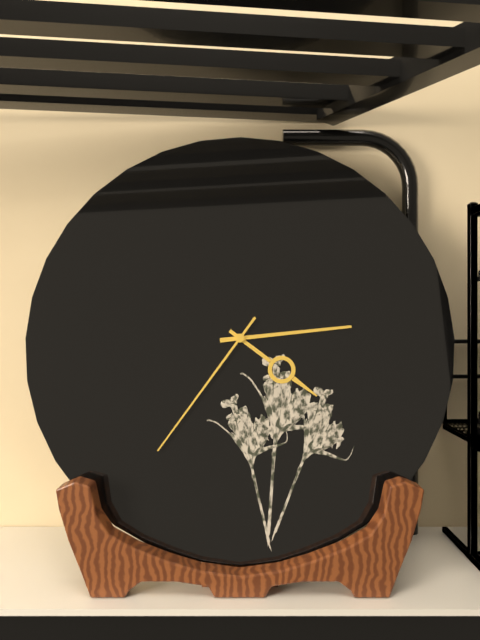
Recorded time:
4h14m36s
